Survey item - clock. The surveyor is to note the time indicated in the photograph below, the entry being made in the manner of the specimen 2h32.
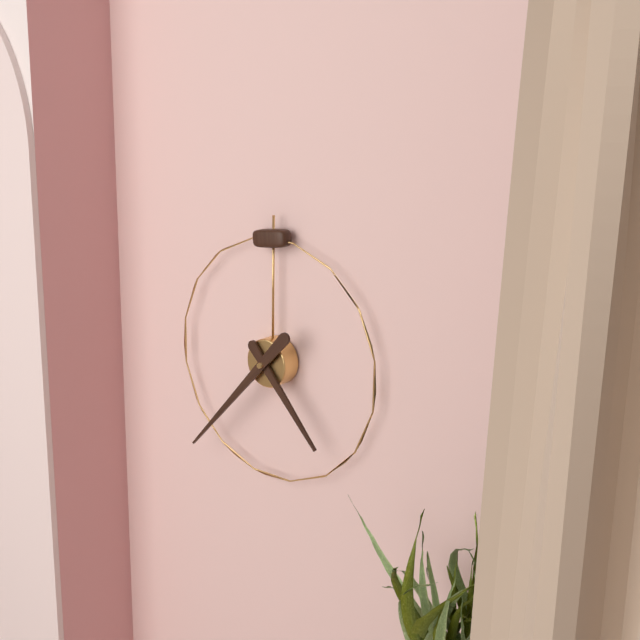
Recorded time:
4h37
